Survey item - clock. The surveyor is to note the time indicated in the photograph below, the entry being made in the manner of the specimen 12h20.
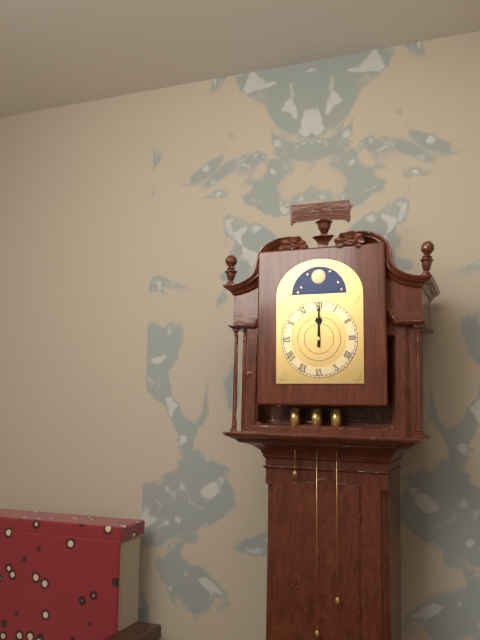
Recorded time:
12h00
